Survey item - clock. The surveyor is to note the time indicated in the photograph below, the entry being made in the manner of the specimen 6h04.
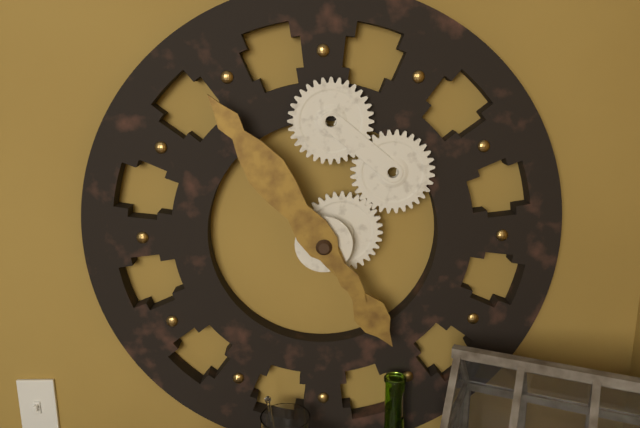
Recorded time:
4h54
